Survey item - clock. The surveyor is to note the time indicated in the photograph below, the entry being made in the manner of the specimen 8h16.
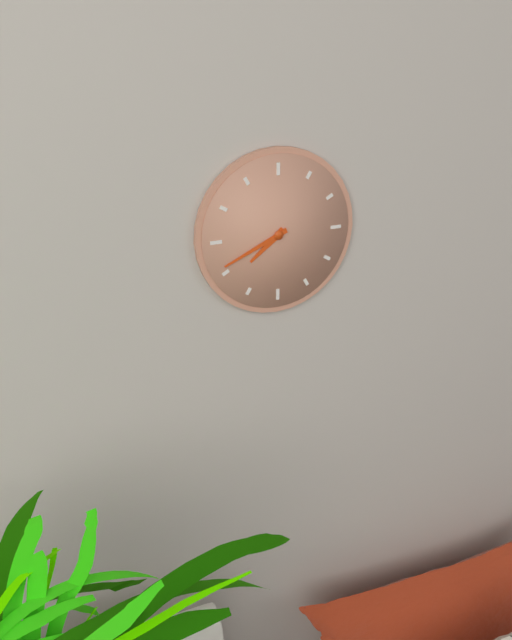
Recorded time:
7h41
